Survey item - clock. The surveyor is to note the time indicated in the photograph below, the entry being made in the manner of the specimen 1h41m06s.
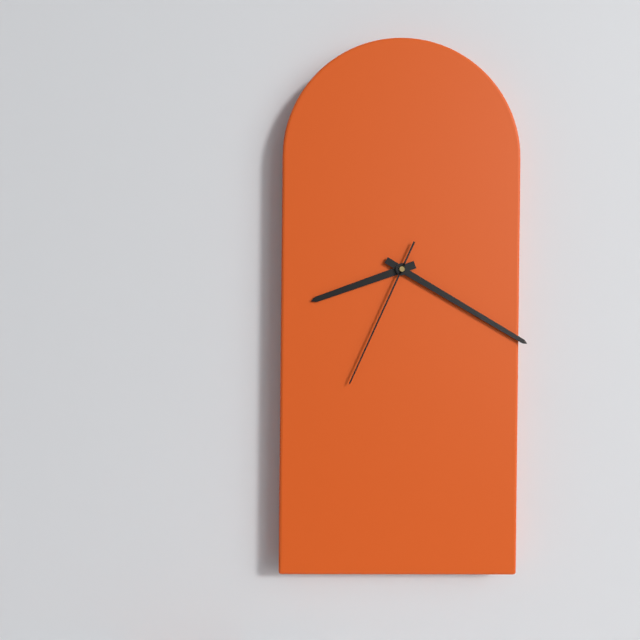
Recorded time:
8h20m34s
